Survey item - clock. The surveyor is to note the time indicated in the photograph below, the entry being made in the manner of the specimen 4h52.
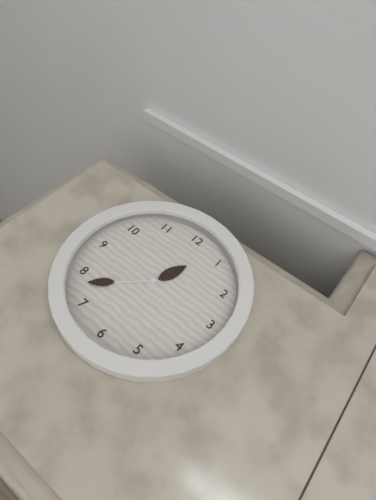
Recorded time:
12h38
